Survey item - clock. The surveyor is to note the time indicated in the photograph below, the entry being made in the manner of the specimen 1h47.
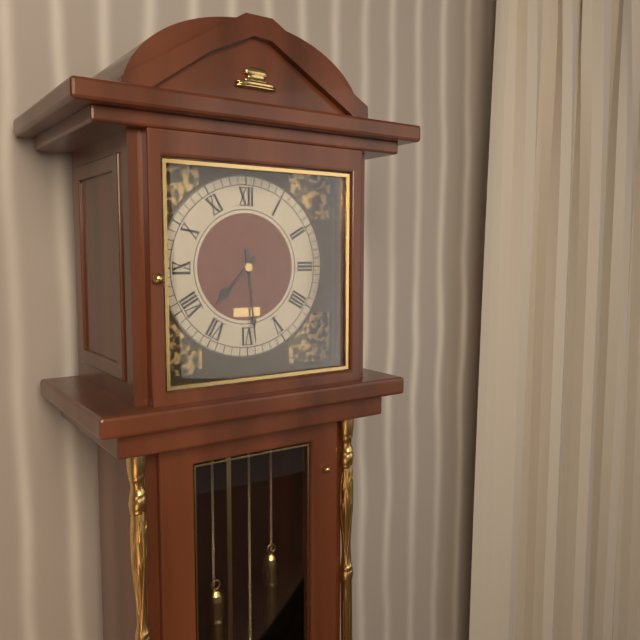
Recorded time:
7h29
